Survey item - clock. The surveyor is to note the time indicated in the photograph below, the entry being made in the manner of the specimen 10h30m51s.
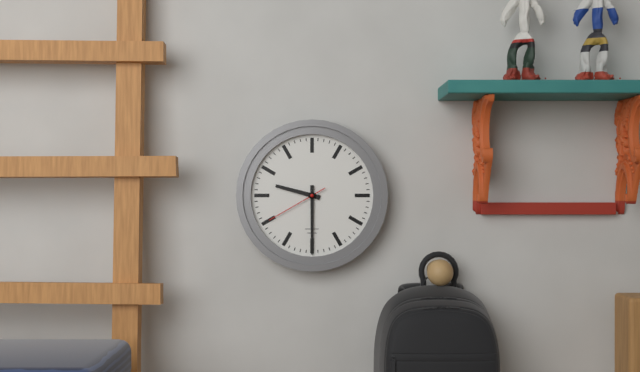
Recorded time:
9h30m40s
